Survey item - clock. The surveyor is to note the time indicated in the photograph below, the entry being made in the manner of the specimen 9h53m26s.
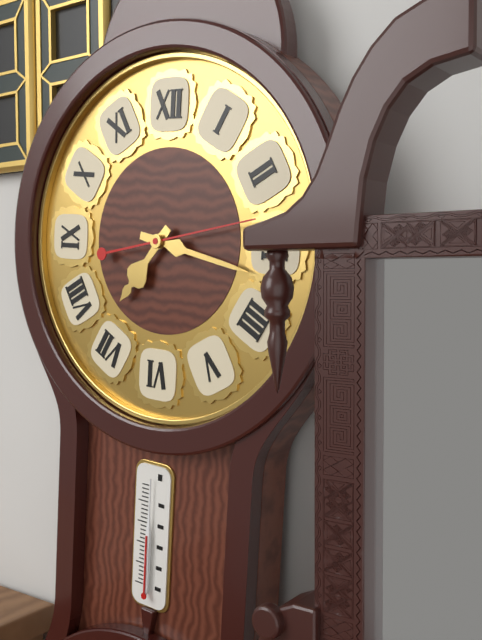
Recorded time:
7h17m13s
